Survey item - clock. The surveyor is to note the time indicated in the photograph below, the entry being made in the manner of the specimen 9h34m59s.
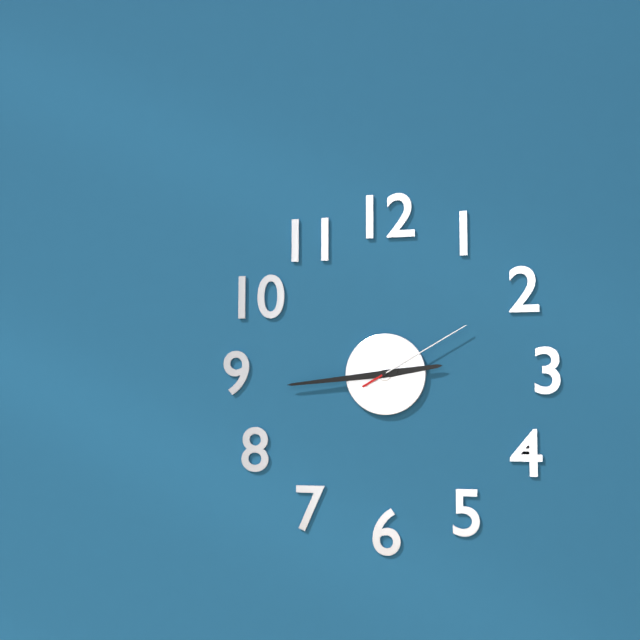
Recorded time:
2h44m10s
